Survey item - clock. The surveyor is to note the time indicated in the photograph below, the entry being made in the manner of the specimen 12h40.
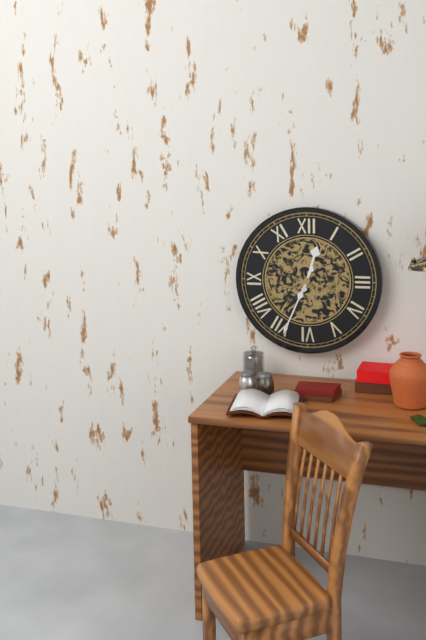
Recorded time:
12h34
